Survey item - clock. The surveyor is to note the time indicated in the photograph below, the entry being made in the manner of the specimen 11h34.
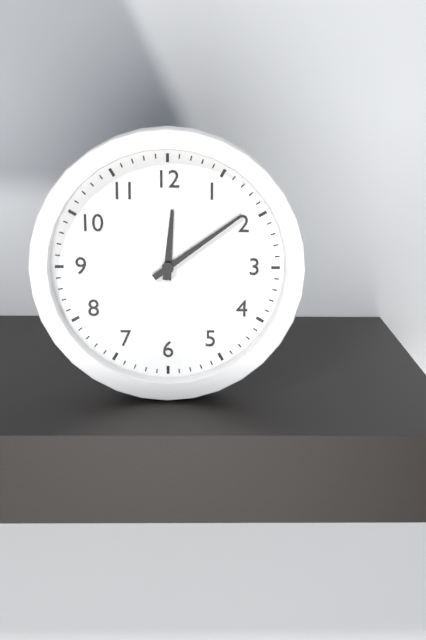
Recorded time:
12h09
